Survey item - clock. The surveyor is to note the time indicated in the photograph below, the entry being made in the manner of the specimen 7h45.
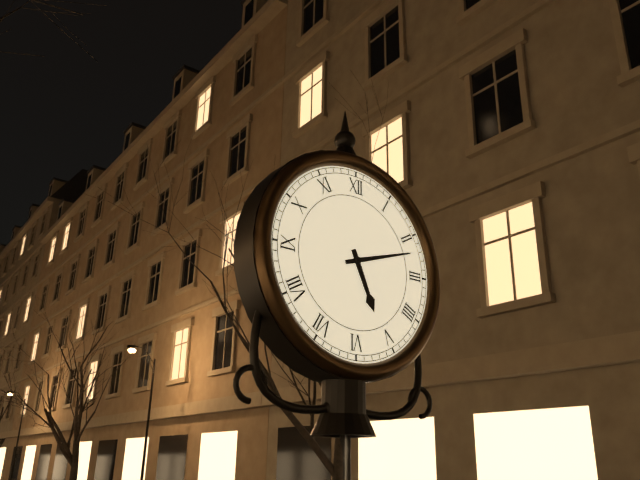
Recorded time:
5h12
